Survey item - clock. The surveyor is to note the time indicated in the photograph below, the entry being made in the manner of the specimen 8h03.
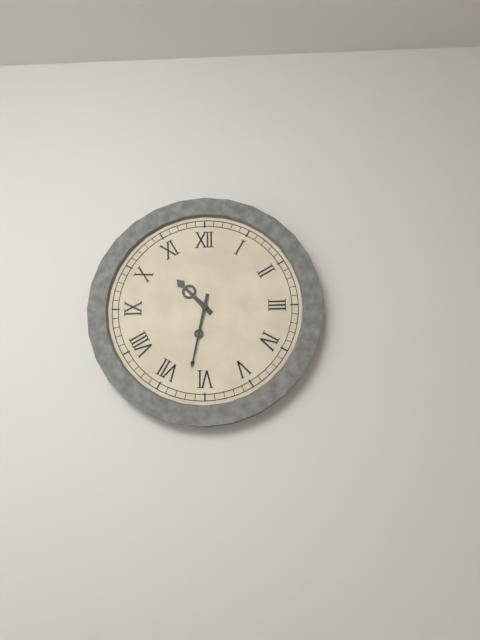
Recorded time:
10h32
